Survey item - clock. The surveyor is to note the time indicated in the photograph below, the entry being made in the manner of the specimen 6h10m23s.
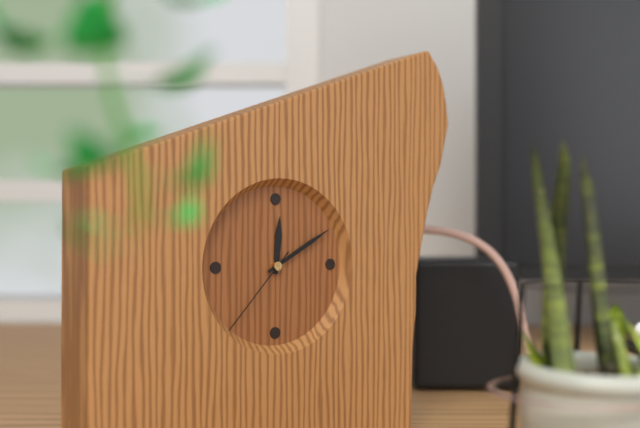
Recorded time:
12h10m37s
